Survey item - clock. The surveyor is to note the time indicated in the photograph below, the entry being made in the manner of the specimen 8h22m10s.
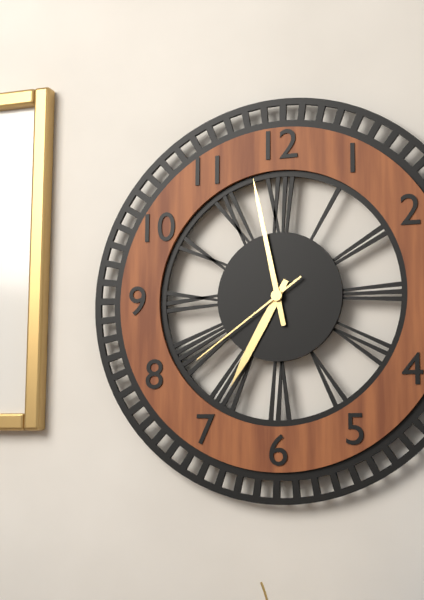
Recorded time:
6h58m39s
